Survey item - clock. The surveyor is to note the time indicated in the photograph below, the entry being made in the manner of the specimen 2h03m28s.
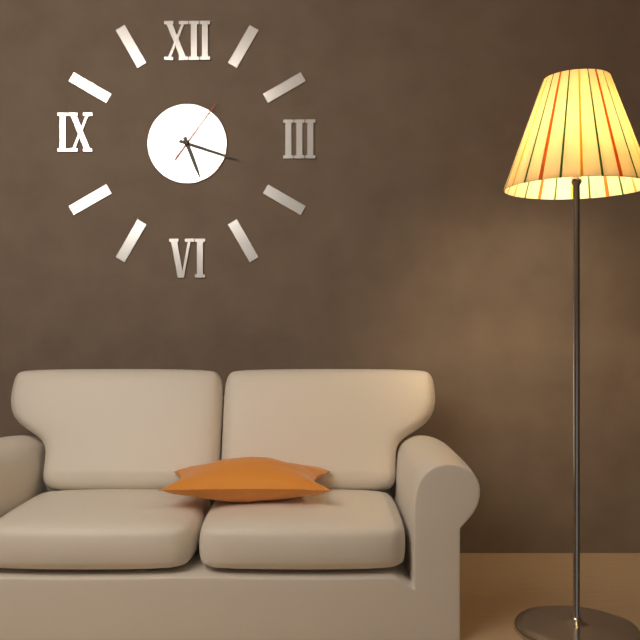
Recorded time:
5h18m06s
